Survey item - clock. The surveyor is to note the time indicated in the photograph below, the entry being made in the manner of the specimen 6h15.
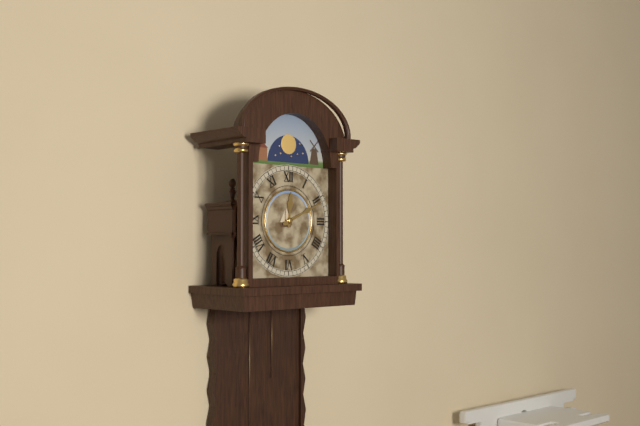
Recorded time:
12h11
